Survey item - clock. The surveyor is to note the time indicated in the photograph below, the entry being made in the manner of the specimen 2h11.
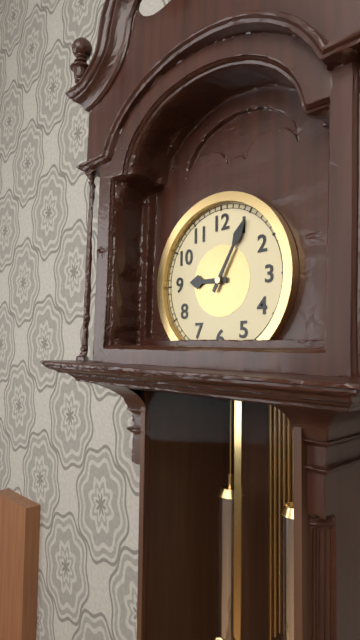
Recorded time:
9h05
